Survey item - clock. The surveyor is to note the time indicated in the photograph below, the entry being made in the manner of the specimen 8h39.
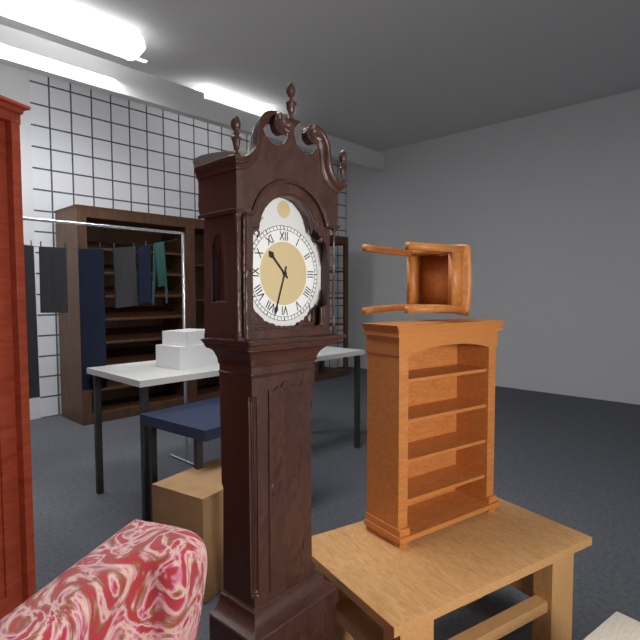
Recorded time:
10h33
